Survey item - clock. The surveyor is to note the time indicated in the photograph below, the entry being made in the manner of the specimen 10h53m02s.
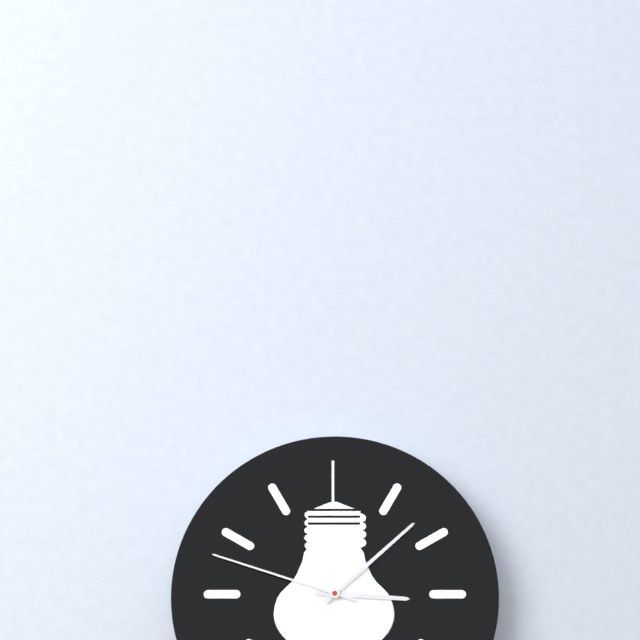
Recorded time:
3h08m48s
